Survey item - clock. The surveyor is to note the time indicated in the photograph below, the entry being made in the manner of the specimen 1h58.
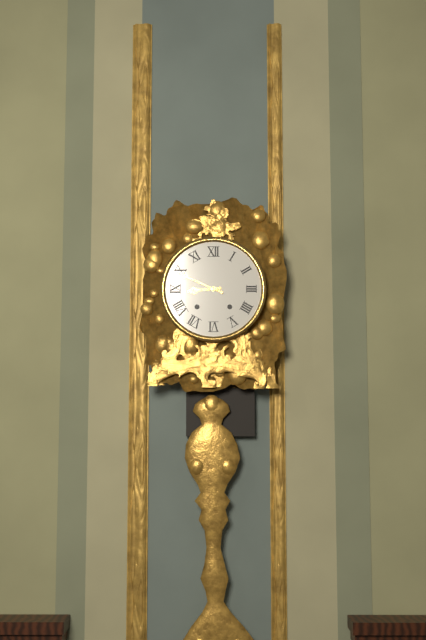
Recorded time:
8h49
